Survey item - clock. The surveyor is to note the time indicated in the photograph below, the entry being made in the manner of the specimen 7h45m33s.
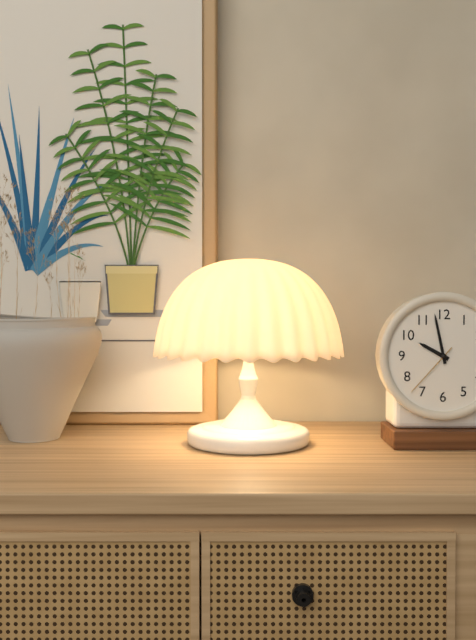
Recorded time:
9h58m37s
